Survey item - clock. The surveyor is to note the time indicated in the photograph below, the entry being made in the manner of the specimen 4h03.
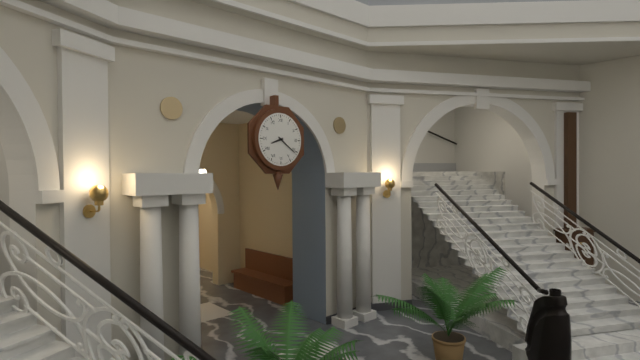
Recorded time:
8h21
